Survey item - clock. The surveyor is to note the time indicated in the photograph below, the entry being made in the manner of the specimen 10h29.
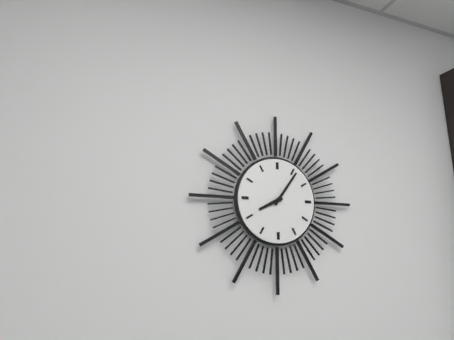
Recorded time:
8h06
